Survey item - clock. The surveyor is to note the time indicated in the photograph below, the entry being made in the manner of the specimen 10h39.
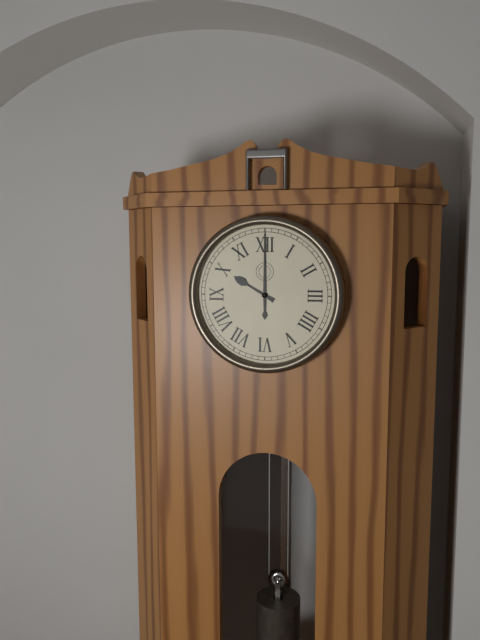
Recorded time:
10h00
